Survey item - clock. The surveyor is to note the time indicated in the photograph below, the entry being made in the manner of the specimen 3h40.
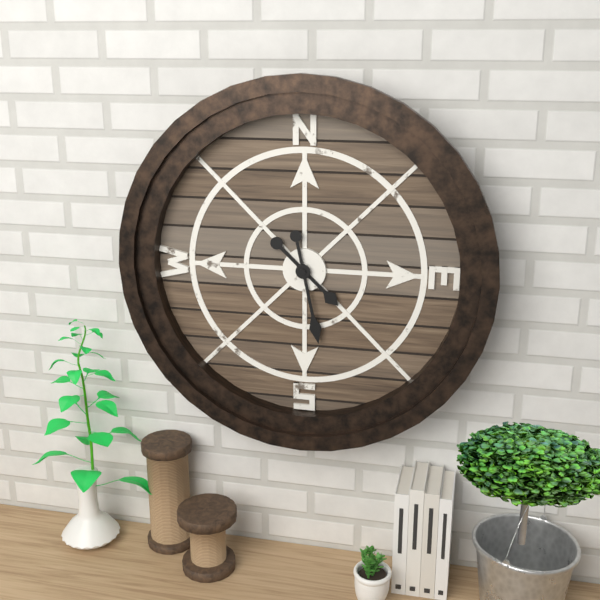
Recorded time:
4h28
